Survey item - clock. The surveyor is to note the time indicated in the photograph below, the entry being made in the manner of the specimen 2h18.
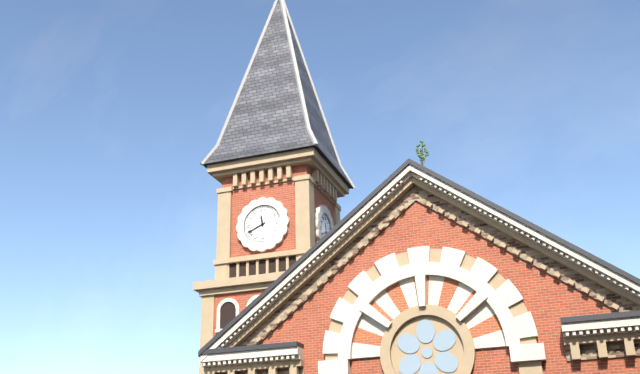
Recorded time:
11h41
